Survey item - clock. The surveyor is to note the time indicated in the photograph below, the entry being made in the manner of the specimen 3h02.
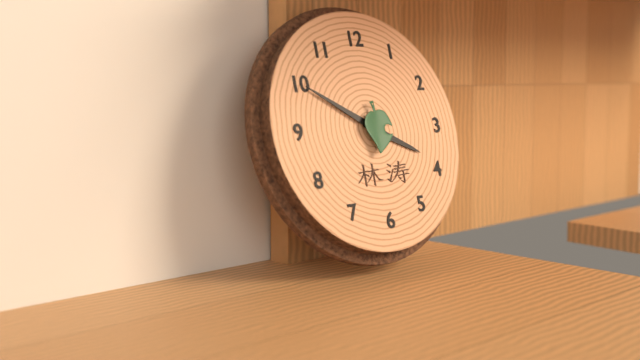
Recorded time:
3h50
